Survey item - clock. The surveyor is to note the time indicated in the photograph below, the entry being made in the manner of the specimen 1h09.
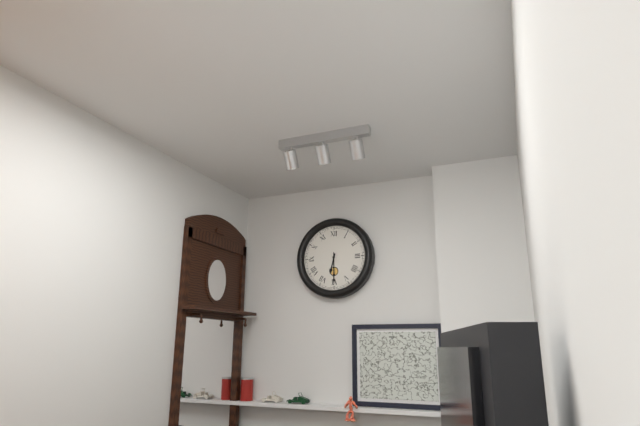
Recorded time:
6h30
